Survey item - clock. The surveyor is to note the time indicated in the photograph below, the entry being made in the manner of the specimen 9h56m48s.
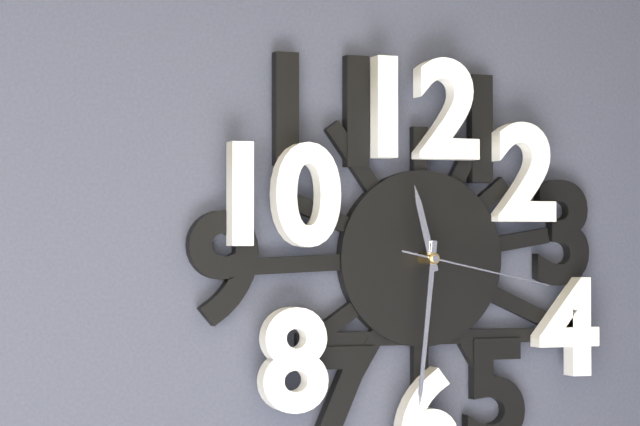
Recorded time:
11h31m17s
